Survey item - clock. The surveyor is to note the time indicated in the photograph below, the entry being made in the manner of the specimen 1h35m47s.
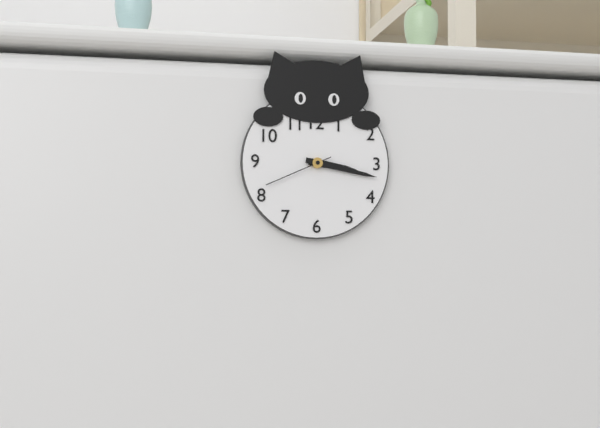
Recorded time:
3h17m41s
